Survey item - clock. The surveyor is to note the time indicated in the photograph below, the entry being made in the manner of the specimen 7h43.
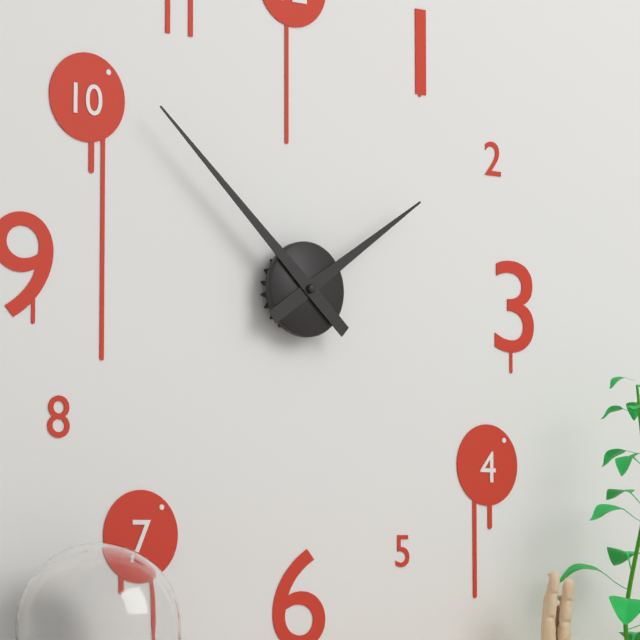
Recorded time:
1h52
